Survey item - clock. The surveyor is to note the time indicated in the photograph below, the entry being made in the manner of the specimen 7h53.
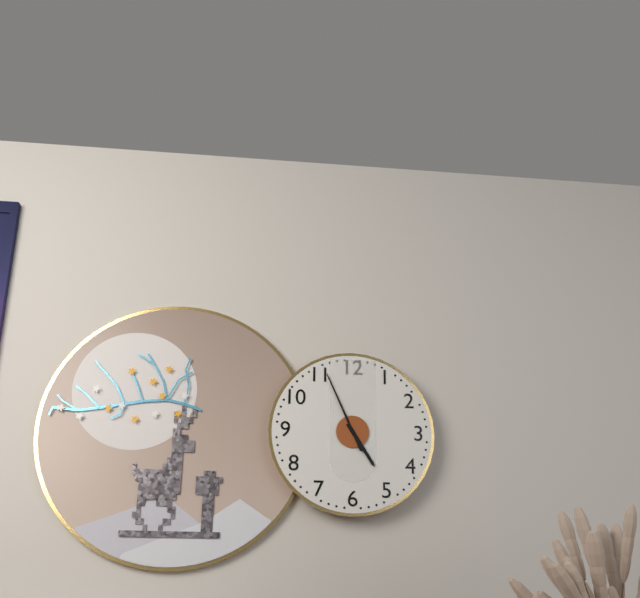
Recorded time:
4h56
